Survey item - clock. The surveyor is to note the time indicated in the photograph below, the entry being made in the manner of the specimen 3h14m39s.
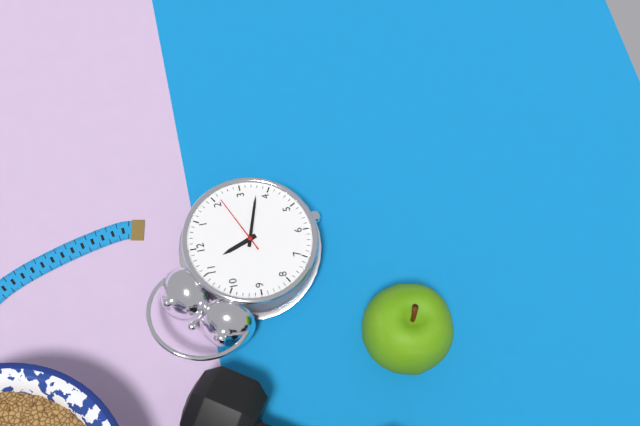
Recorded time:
11h18m11s
